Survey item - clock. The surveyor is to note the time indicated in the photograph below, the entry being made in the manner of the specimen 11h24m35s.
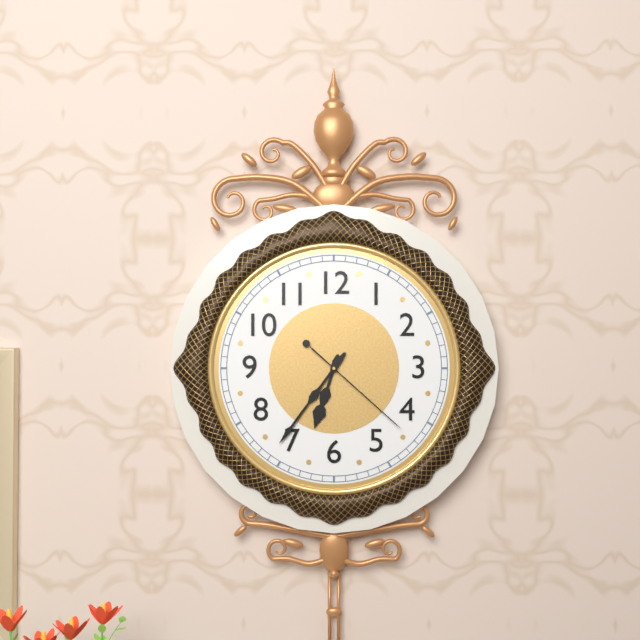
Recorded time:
6h36m22s
